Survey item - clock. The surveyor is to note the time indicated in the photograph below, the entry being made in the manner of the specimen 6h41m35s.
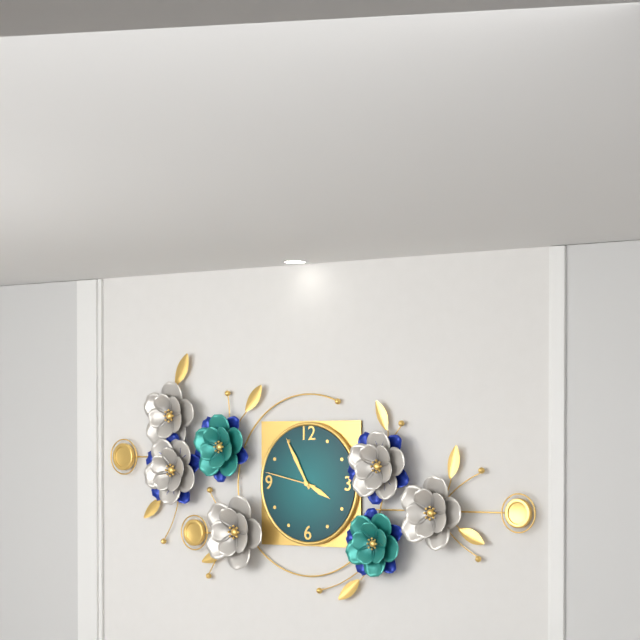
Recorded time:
3h55m47s
